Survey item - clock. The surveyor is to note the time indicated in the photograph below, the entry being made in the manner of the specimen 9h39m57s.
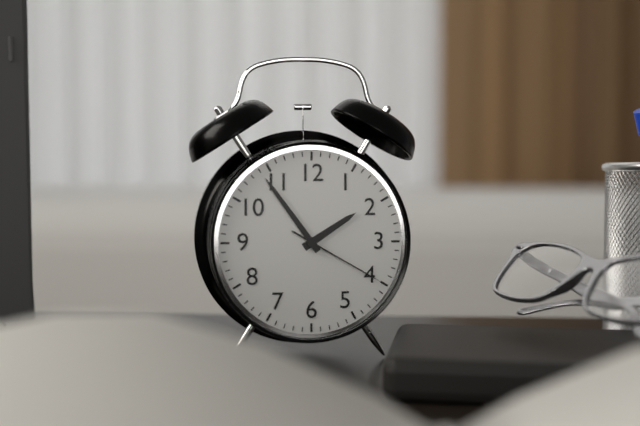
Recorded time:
1h54m20s
